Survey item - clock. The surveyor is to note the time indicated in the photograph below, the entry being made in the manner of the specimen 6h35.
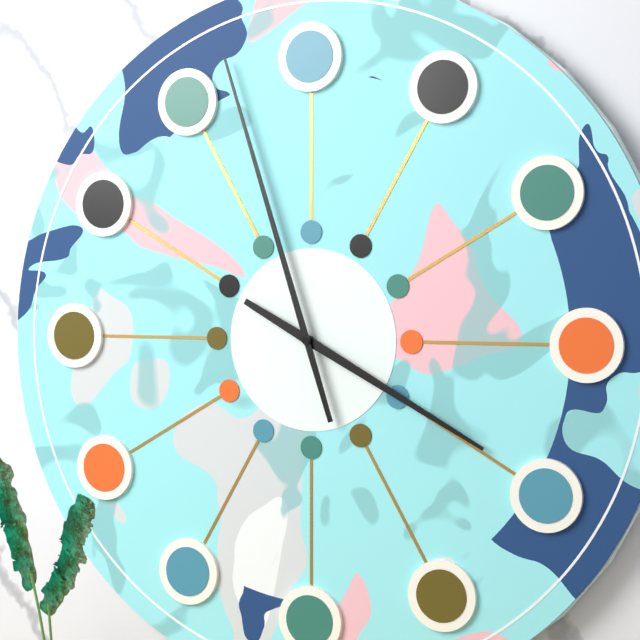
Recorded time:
3h57
